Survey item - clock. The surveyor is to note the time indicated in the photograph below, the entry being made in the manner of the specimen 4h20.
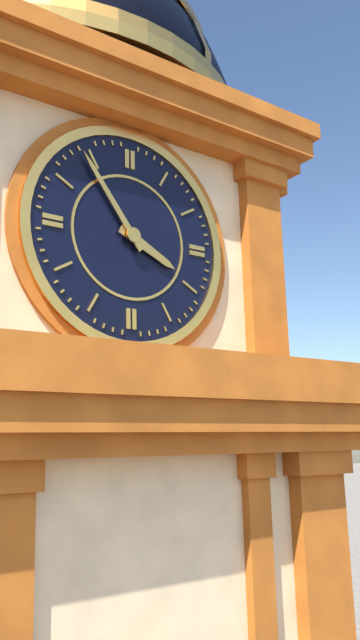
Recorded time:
3h54
